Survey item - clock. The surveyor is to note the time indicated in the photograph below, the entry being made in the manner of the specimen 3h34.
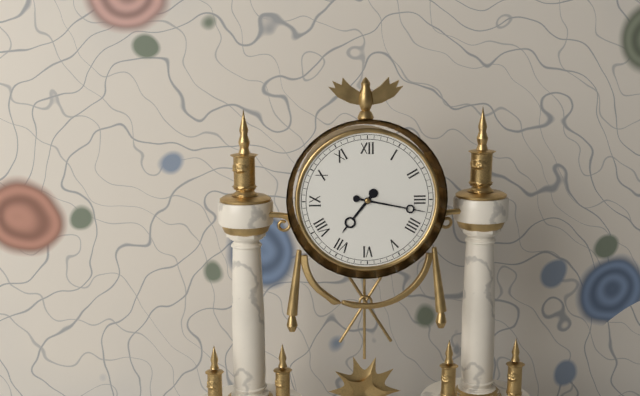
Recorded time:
7h17
